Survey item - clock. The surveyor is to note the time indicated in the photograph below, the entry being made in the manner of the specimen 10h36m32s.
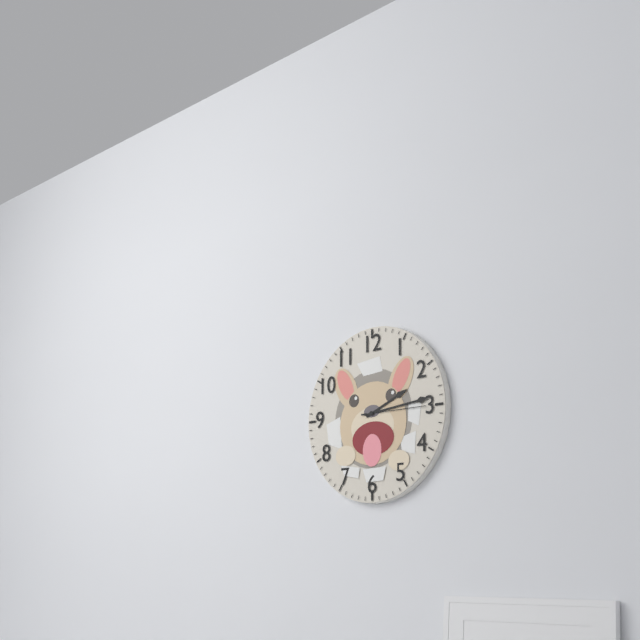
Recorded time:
2h14m15s
